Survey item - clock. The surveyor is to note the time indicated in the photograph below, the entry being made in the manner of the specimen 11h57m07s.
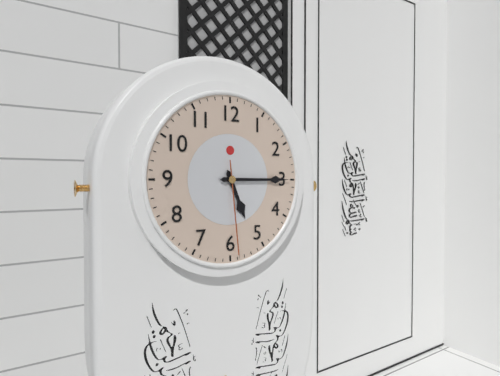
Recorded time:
5h15m29s
